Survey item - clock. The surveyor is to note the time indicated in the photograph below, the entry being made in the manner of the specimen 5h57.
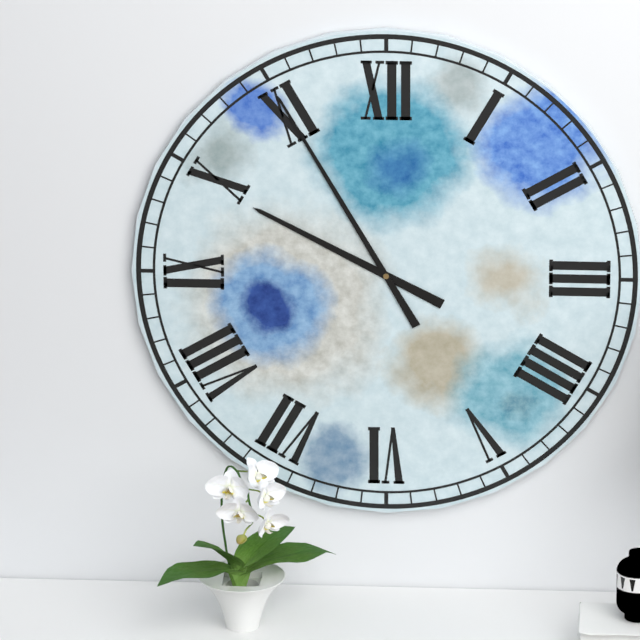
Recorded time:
9h55
